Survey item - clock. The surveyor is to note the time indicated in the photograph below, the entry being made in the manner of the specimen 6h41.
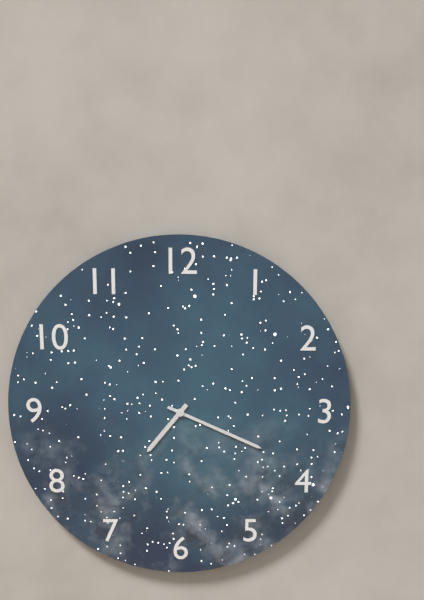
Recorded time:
7h19
